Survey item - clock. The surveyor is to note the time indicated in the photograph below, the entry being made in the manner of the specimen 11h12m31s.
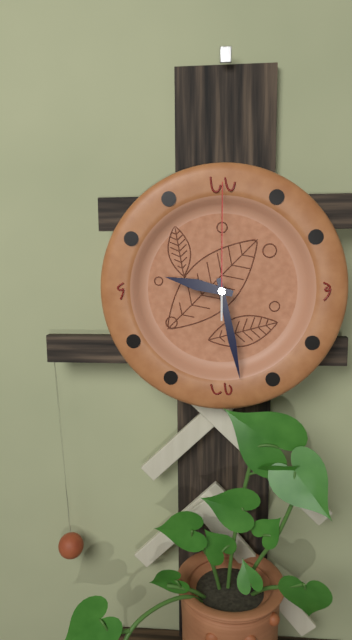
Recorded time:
9h28m00s
